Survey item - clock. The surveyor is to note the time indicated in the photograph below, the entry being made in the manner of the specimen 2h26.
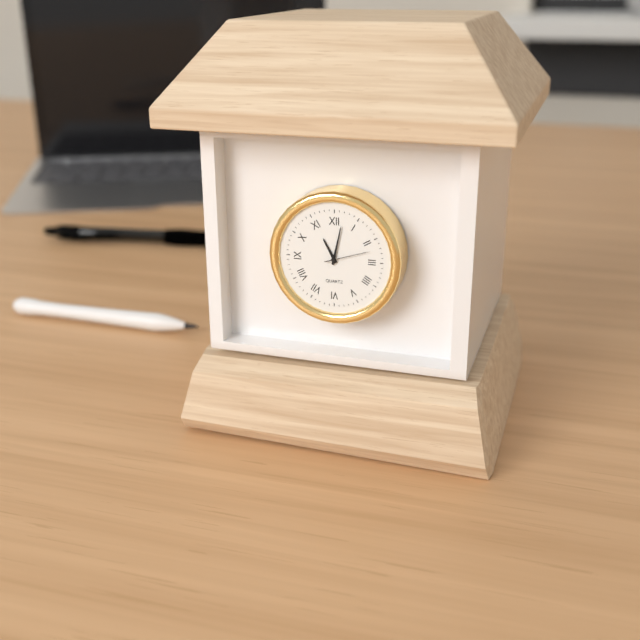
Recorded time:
11h02
